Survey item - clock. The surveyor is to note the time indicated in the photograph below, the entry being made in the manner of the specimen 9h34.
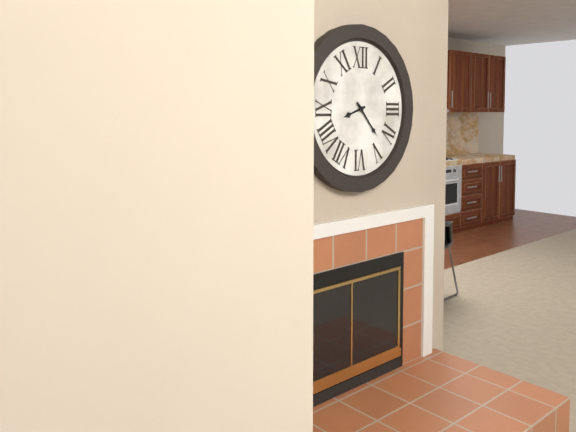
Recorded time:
8h23
